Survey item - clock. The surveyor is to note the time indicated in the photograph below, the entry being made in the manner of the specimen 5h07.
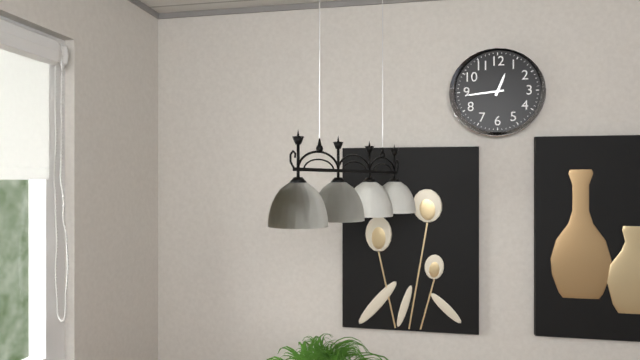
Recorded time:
12h44
